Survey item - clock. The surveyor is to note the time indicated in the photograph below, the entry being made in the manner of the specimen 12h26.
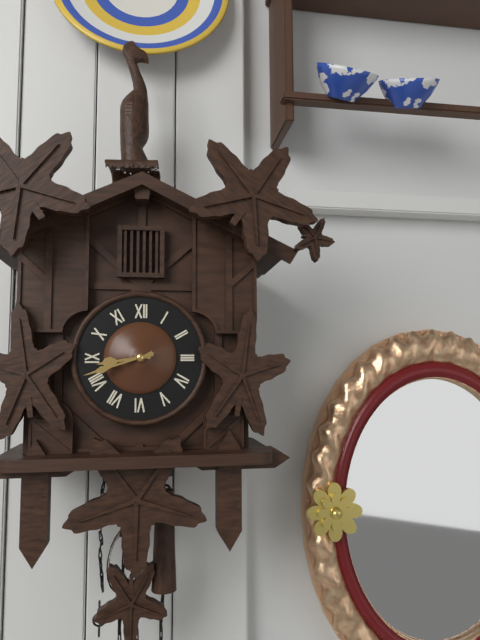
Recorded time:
8h42
